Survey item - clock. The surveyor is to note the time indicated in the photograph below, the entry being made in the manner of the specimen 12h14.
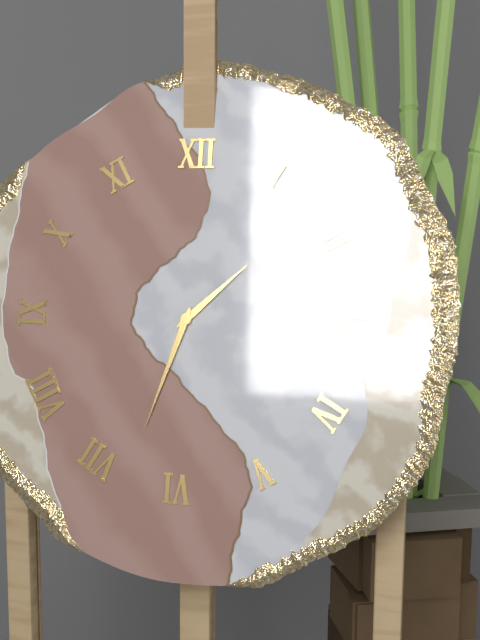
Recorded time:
1h33
